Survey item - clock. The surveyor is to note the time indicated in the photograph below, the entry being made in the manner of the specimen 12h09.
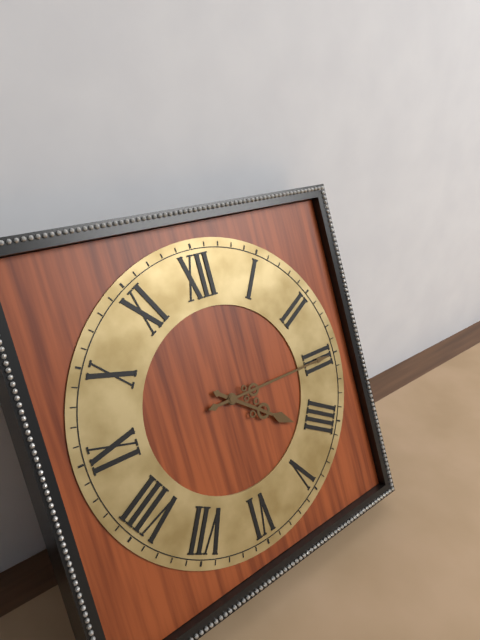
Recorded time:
4h15
